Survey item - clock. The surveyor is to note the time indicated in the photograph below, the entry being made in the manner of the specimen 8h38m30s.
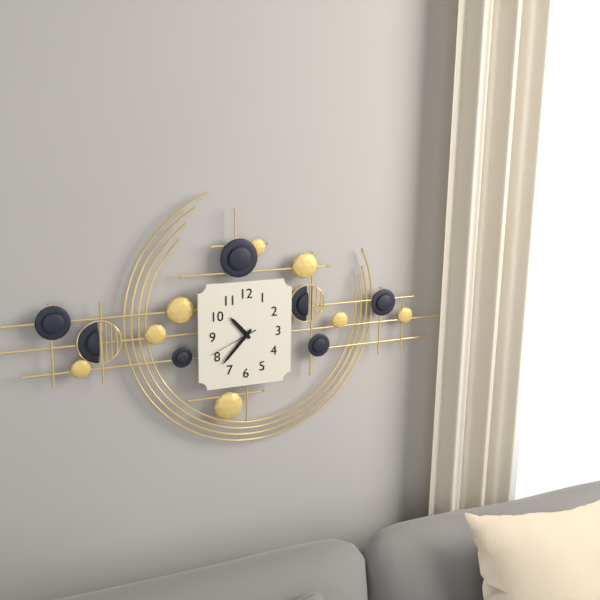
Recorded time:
10h37m41s
